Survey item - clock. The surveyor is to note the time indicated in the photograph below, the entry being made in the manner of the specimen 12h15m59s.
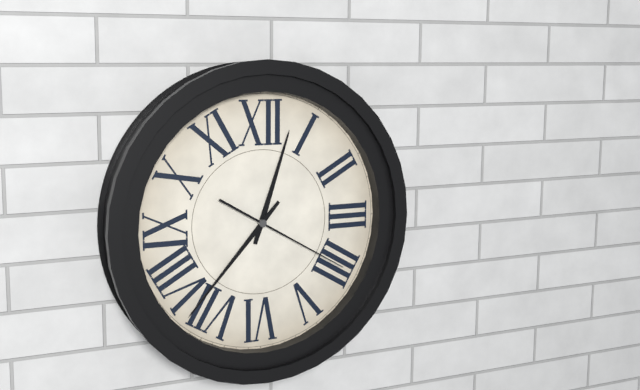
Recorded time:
12h37m20s
